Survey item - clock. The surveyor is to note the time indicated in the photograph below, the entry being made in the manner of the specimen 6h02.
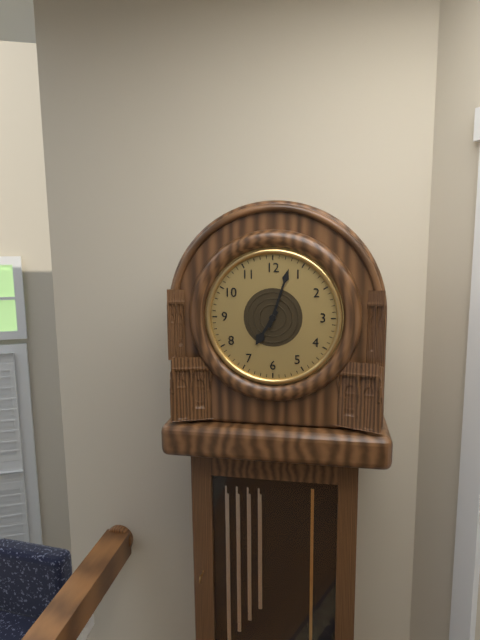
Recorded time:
7h03
